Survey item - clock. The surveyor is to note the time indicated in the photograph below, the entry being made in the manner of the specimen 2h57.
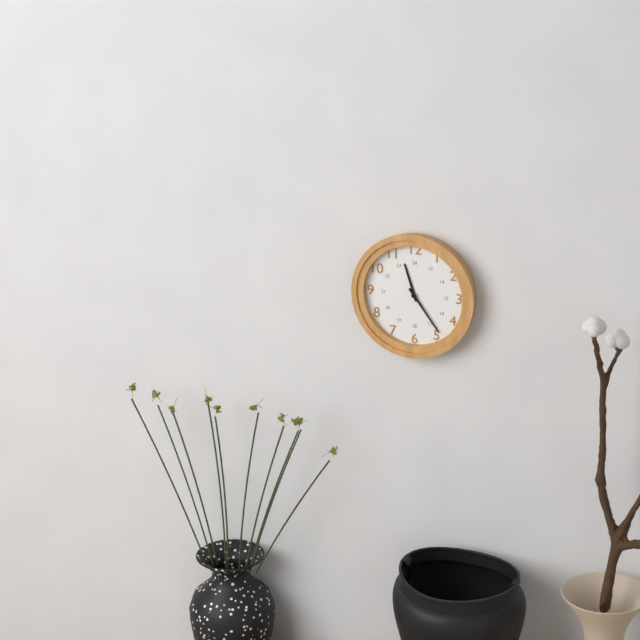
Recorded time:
11h24
